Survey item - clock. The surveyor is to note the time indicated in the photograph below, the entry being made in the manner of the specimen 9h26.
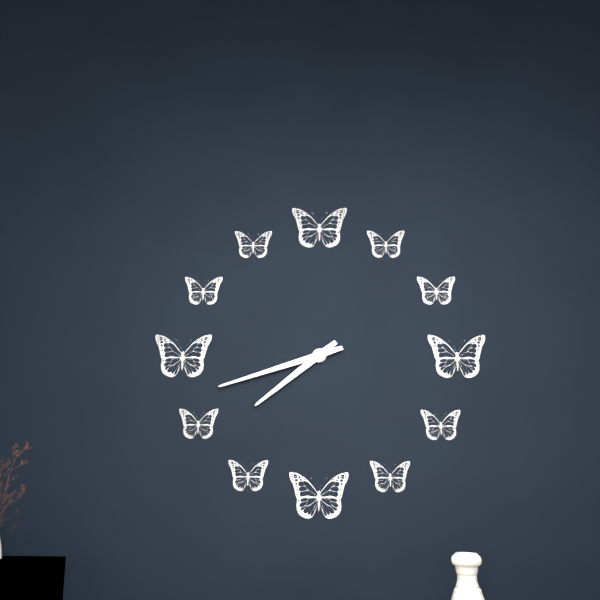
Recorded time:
7h42
